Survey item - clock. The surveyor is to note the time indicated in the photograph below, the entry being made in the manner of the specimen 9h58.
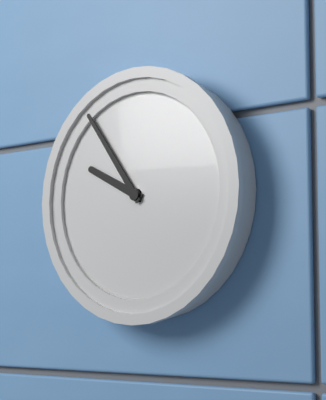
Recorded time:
9h54
